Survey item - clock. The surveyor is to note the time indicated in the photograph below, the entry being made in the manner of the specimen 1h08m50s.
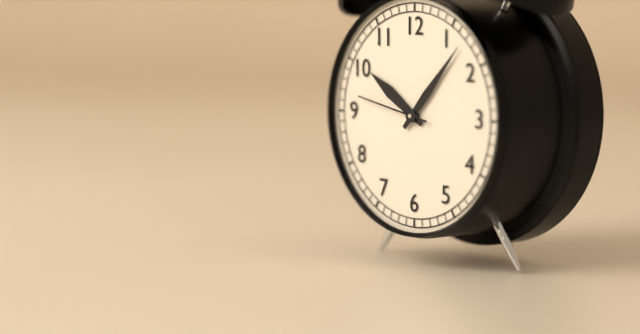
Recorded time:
10h07m47s
